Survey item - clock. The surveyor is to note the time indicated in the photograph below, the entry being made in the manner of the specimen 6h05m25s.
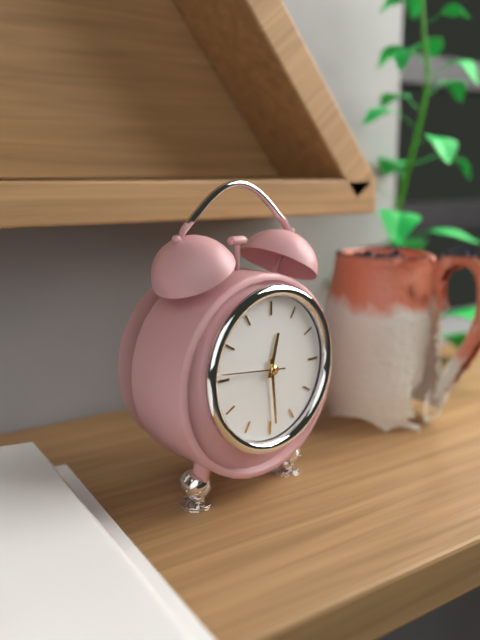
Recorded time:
12h29m46s
